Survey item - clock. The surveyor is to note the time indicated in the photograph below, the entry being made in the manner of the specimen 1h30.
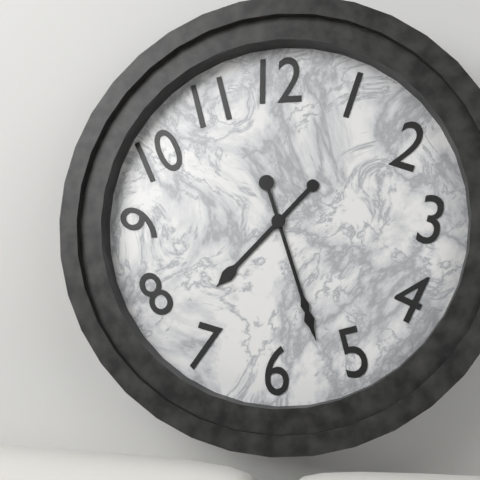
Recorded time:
7h27
